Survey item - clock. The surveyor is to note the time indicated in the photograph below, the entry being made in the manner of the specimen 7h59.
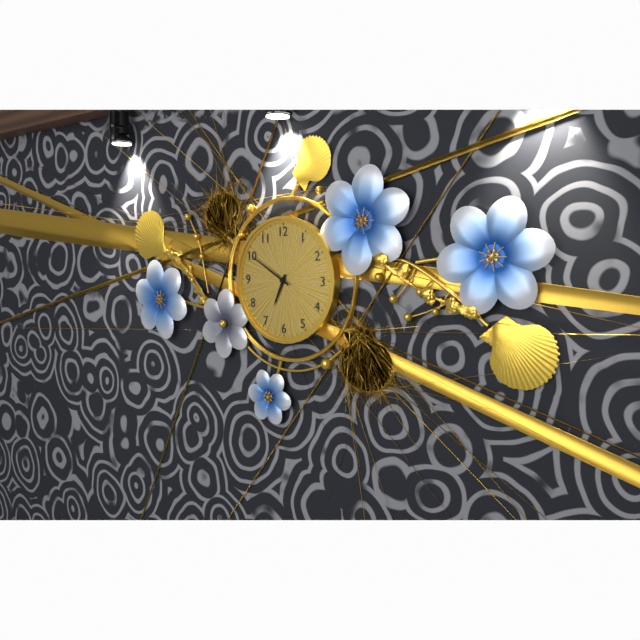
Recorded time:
6h50
